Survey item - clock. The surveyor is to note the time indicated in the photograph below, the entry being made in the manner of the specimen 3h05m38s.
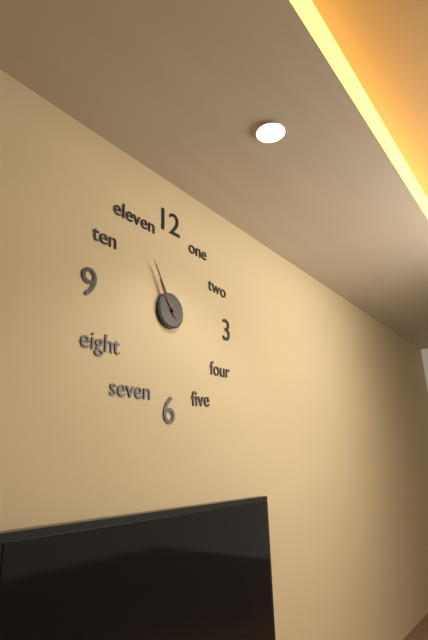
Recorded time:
10h55m53s
